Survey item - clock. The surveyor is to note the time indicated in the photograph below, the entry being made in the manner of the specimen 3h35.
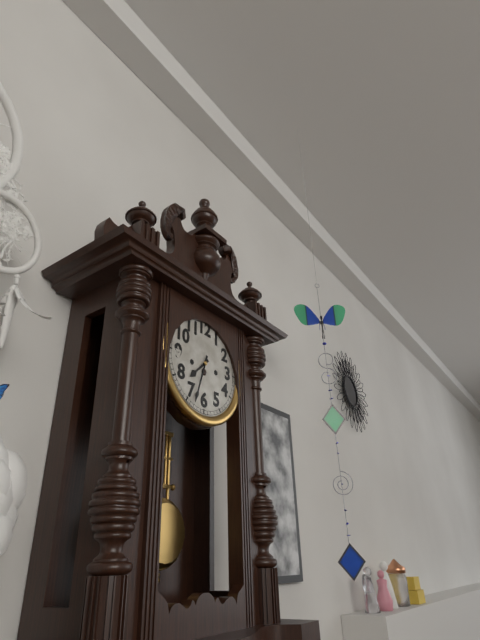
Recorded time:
7h33
